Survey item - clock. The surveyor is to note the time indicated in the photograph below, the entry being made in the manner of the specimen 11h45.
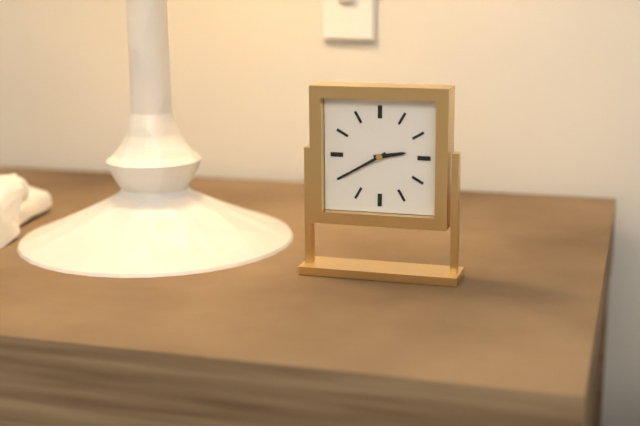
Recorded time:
2h40
